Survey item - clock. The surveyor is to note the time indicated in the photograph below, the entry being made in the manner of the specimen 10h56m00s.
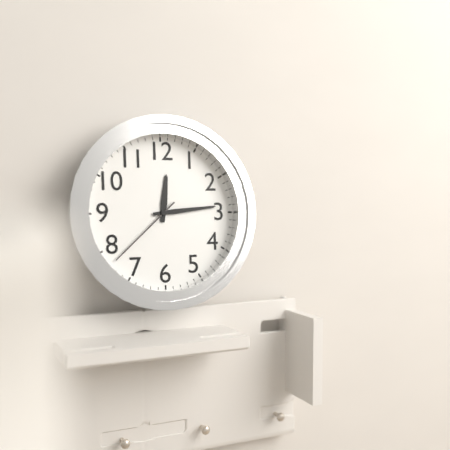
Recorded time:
12h14m38s
